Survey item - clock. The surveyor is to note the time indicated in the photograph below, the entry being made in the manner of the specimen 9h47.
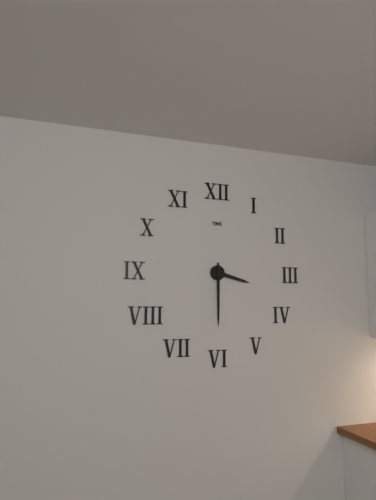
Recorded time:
3h30
